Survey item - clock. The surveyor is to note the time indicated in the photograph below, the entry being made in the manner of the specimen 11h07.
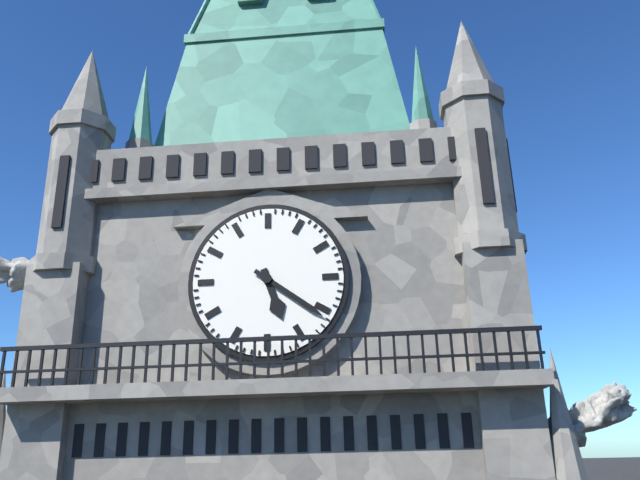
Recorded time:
5h21
